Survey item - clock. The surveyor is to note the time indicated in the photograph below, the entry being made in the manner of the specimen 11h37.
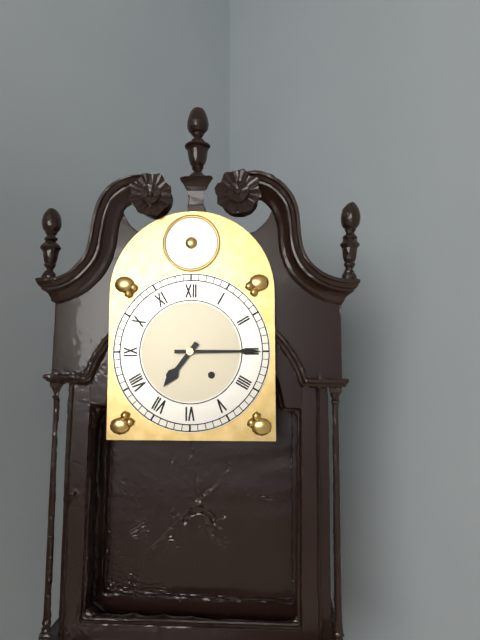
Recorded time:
7h15
